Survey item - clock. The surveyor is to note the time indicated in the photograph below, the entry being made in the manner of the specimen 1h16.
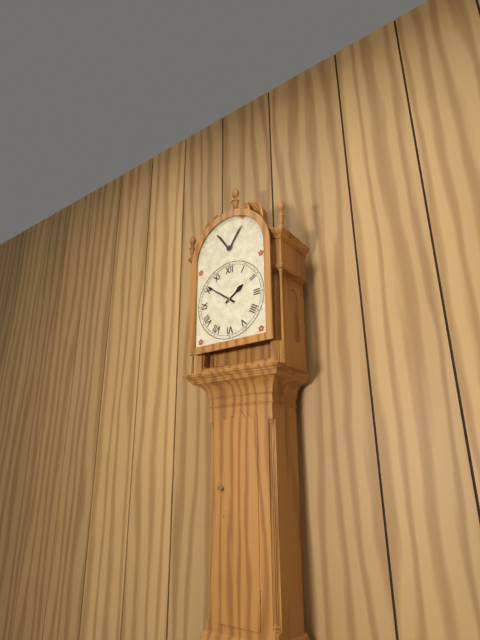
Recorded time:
1h51
